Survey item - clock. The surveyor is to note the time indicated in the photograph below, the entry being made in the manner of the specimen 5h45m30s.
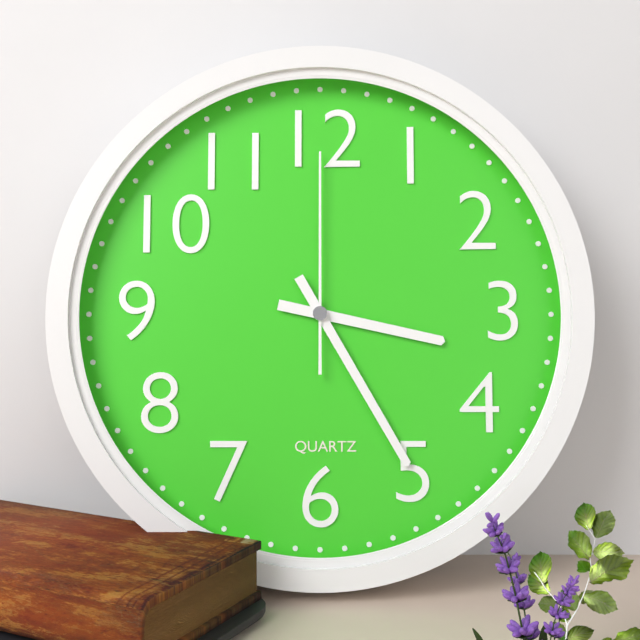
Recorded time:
3h25m00s
